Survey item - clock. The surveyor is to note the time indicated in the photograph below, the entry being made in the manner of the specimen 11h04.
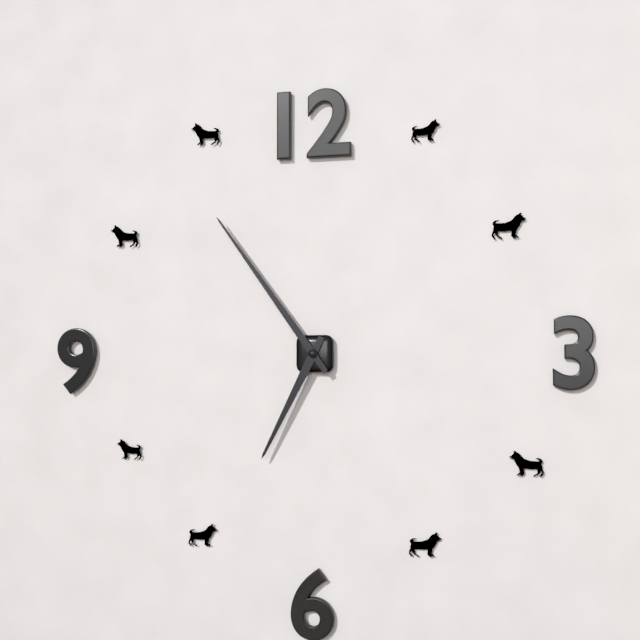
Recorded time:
6h54
